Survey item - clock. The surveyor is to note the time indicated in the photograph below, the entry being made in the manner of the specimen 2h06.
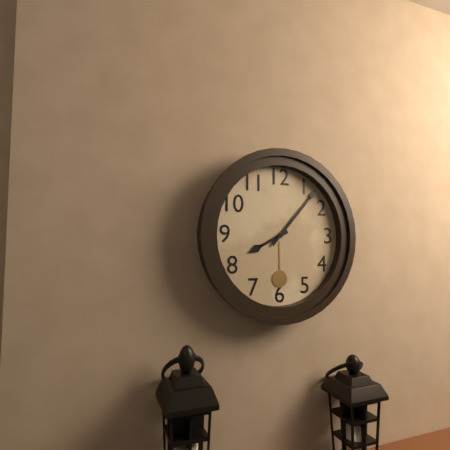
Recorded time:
8h07
